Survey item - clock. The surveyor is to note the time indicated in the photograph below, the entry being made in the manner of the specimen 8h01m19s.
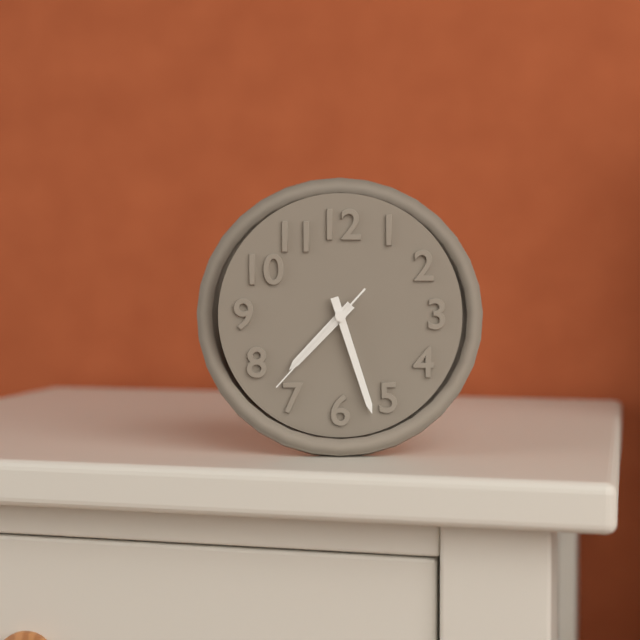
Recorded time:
7h27m37s
